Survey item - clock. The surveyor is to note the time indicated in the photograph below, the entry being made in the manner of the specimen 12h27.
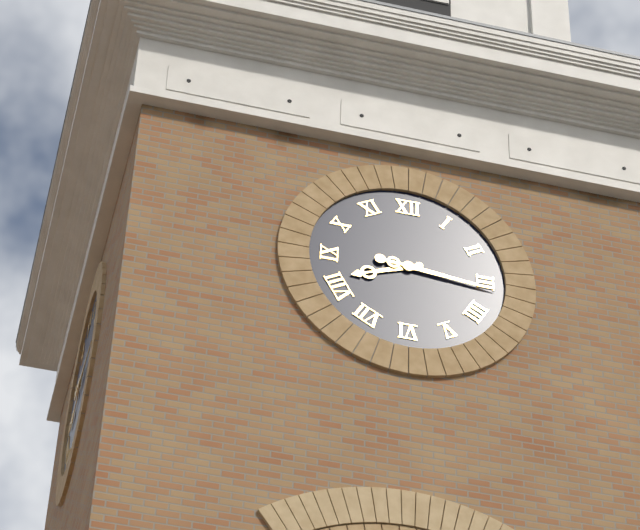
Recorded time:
8h16
